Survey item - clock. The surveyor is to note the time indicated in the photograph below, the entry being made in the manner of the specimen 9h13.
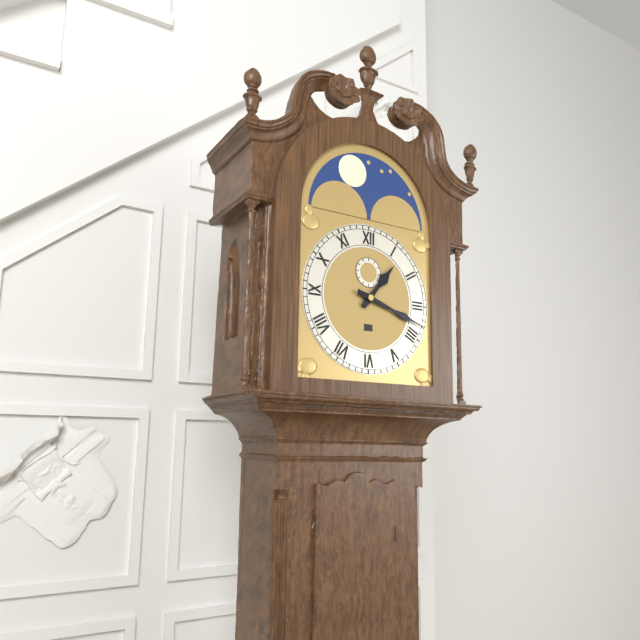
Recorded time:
1h18
